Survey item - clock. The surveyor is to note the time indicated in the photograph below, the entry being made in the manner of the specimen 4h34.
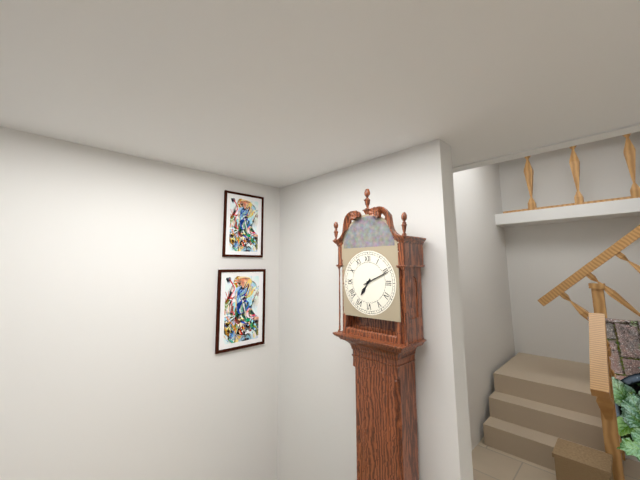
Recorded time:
7h11
